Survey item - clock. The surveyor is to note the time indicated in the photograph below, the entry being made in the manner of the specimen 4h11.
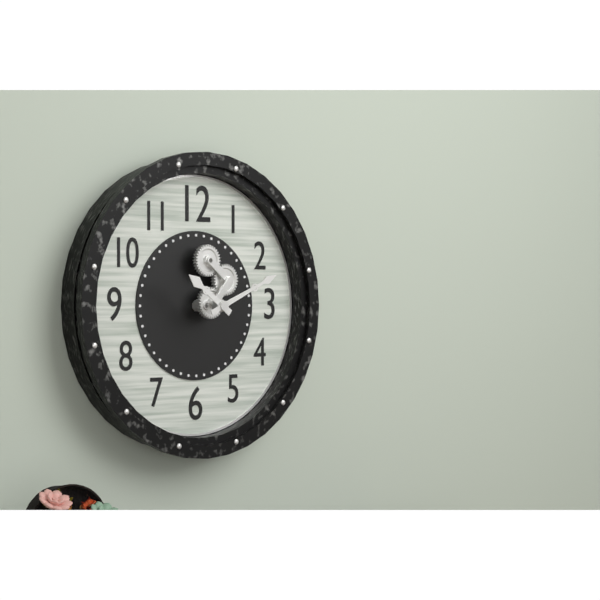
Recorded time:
10h11
